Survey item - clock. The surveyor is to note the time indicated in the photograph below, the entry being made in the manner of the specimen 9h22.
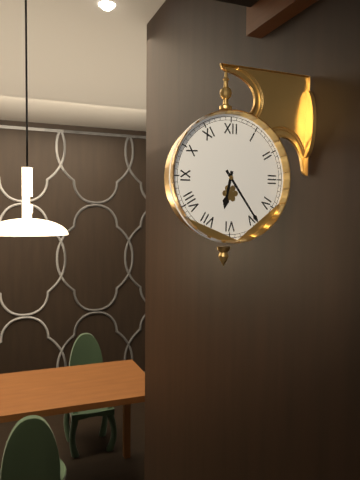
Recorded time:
6h24
